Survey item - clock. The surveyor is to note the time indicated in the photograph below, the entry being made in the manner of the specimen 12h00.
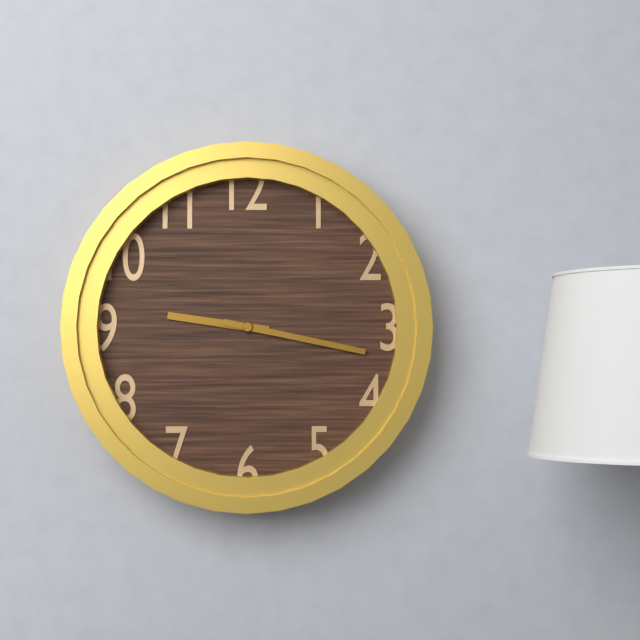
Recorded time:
9h17
